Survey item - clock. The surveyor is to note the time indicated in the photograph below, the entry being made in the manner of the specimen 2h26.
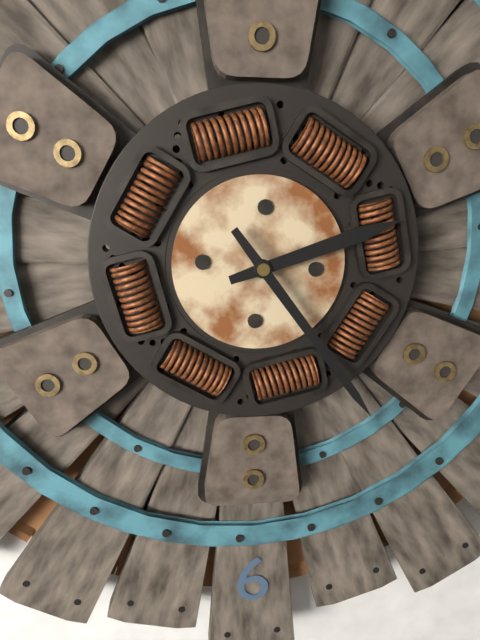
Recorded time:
2h24
